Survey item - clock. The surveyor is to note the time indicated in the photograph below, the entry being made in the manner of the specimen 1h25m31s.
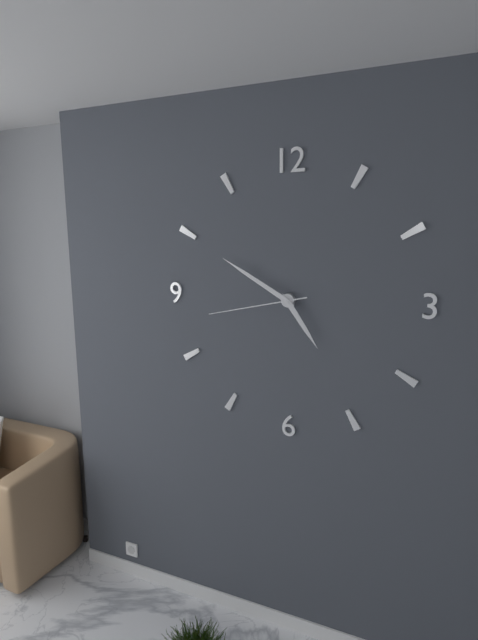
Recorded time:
4h50m43s
